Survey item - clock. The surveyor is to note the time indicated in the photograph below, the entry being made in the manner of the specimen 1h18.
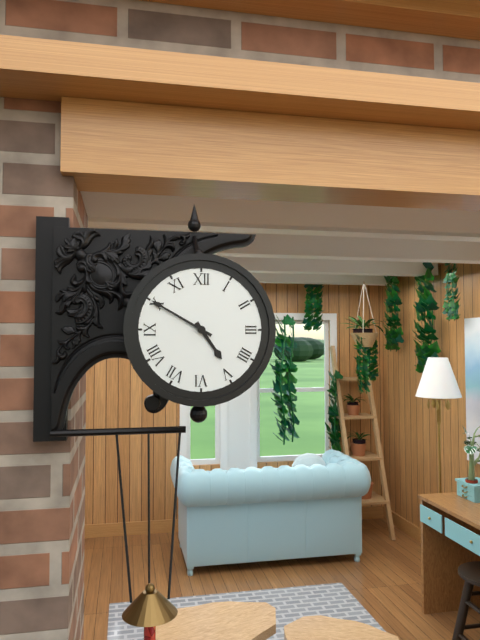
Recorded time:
4h50
